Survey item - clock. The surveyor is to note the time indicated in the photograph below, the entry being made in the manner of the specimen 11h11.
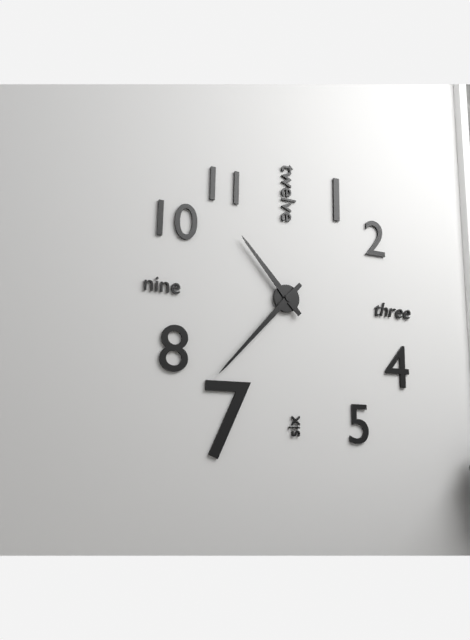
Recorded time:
10h37
